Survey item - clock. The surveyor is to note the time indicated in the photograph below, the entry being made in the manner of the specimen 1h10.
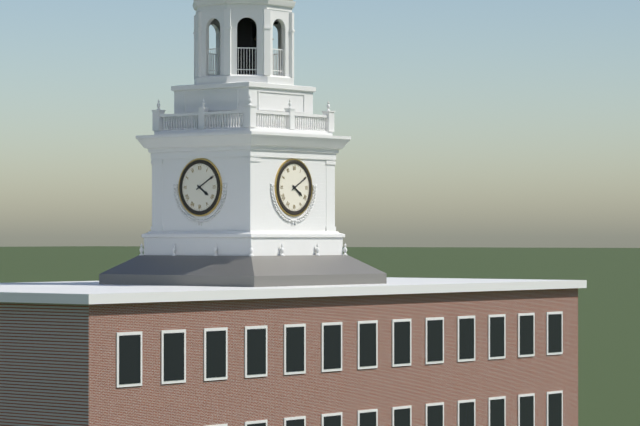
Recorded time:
4h10
